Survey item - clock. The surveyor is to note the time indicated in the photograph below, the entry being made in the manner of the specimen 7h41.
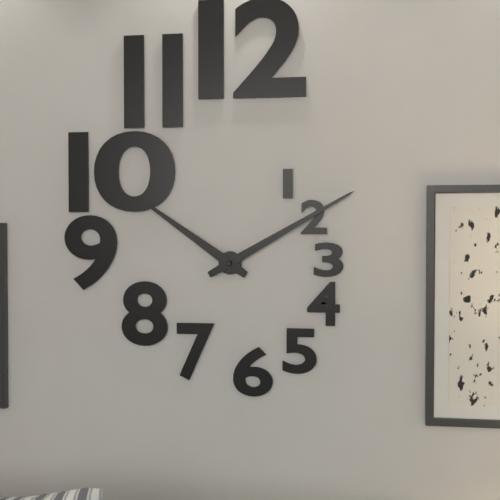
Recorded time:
10h10
